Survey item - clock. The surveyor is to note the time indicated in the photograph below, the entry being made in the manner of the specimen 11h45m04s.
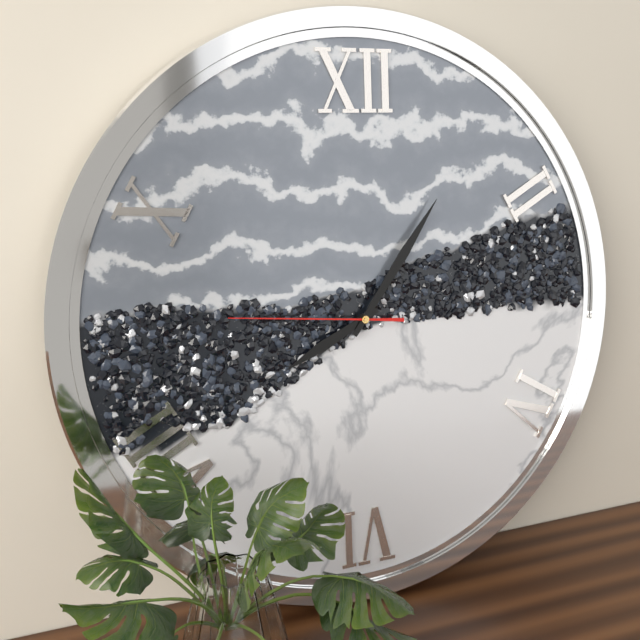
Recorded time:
8h06m46s
